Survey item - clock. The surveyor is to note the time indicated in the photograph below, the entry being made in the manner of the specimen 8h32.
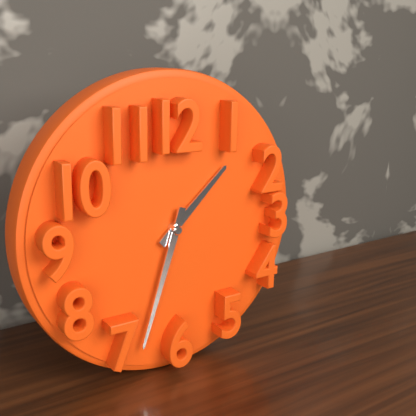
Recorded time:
1h33
